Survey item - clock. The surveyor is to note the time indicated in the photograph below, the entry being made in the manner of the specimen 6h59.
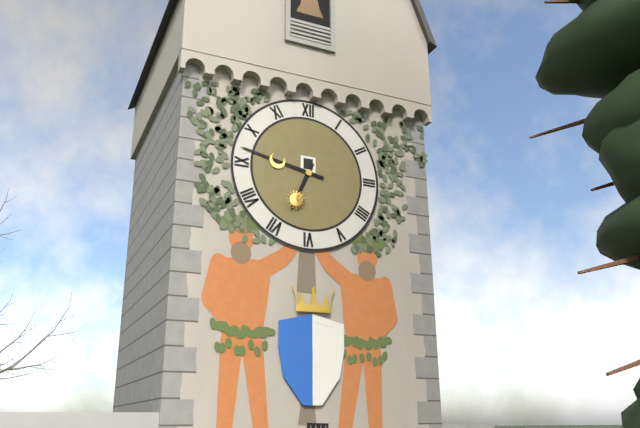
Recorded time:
6h47
